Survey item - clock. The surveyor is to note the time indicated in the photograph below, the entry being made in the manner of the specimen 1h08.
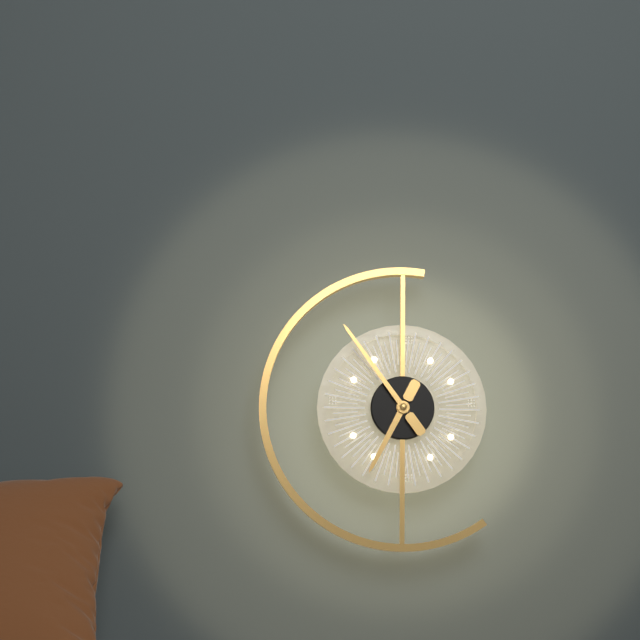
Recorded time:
6h54
